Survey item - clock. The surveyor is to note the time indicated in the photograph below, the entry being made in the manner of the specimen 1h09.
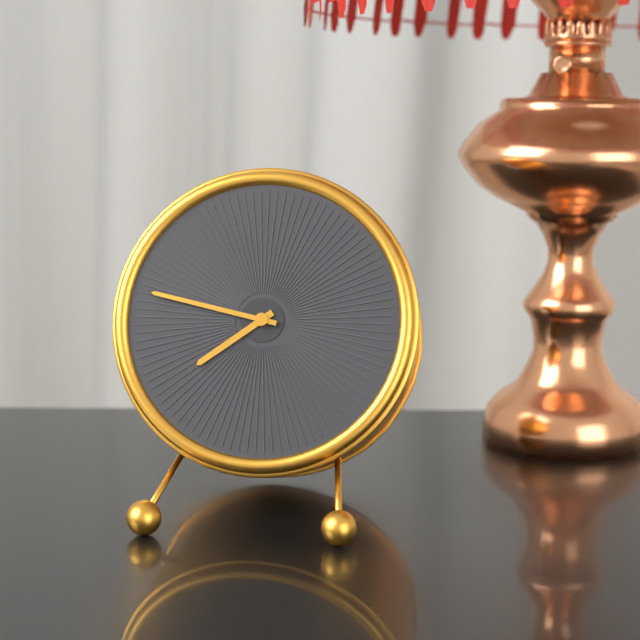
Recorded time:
7h47
